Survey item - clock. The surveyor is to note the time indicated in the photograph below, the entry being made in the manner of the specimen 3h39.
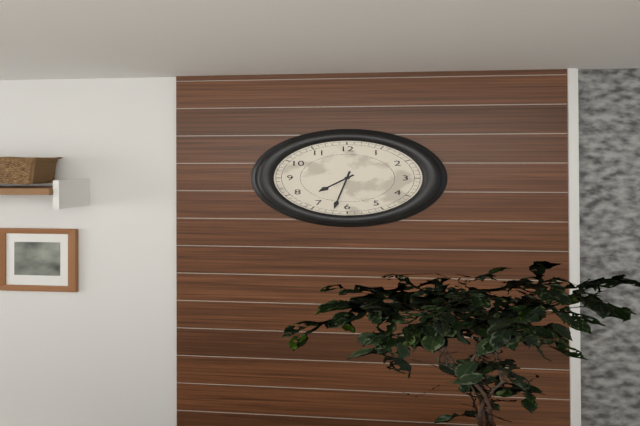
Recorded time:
7h32
